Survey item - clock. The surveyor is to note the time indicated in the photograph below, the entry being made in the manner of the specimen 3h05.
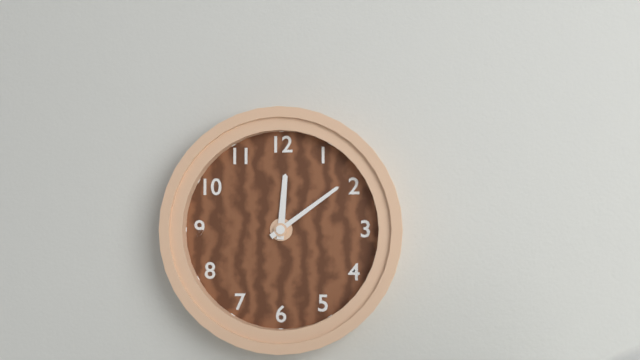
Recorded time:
12h09
